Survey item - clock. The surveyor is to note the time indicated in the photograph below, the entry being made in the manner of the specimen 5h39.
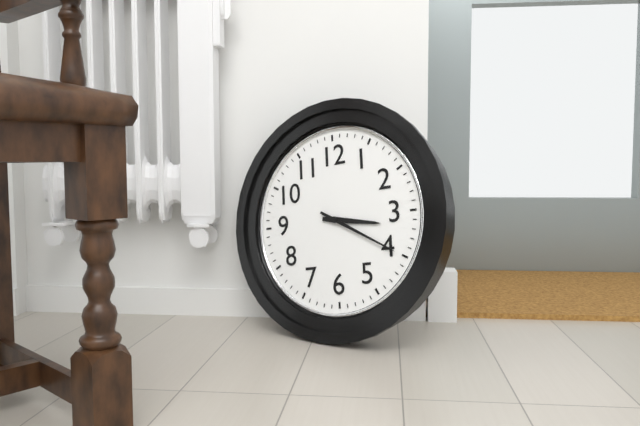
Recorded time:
3h20
